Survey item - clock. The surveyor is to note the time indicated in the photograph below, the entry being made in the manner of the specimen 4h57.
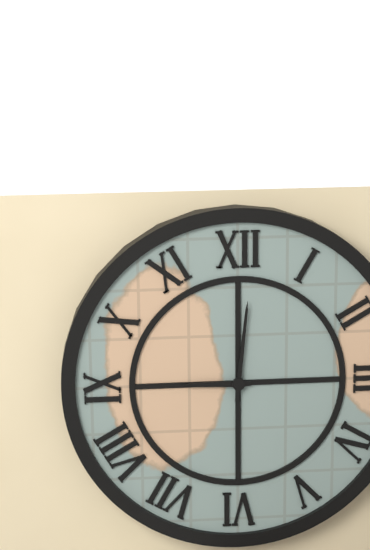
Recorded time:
9h01
